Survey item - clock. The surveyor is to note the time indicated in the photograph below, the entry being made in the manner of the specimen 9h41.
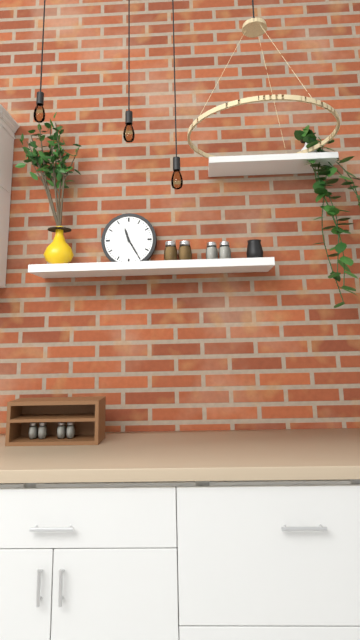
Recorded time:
11h25
